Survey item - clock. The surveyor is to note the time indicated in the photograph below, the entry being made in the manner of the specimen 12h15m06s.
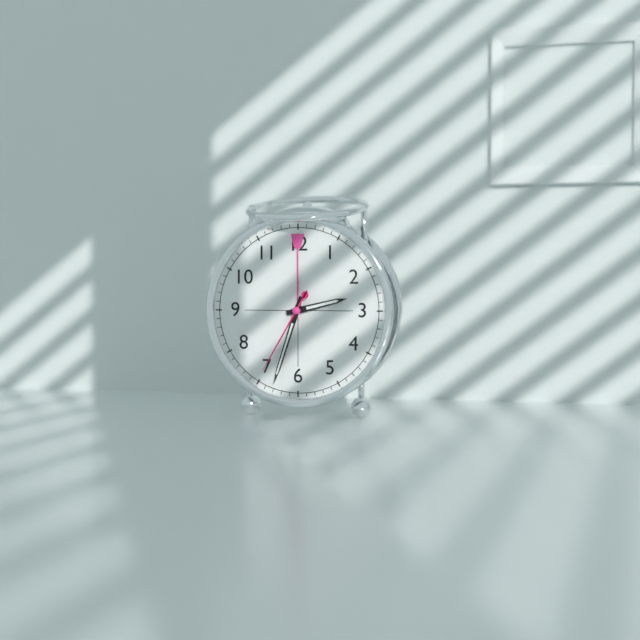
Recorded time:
2h33m35s
